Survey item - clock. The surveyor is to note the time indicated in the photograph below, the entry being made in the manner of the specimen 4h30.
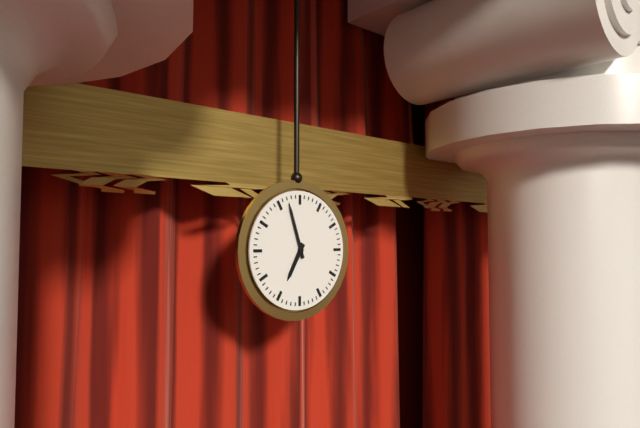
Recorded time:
6h57
